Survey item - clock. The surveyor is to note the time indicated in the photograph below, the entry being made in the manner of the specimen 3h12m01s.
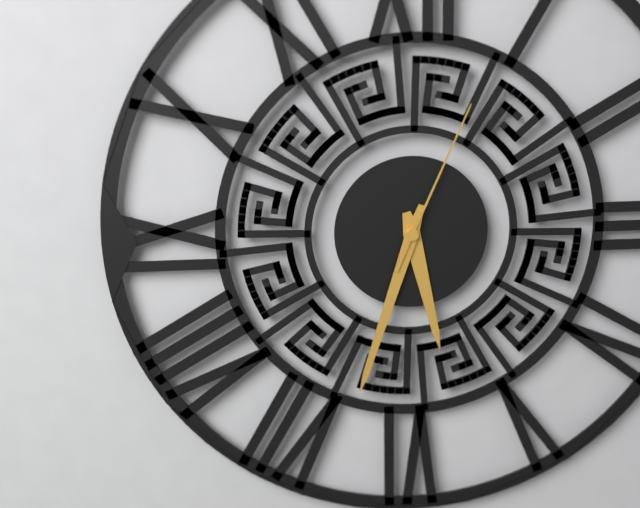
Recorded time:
5h33m04s
